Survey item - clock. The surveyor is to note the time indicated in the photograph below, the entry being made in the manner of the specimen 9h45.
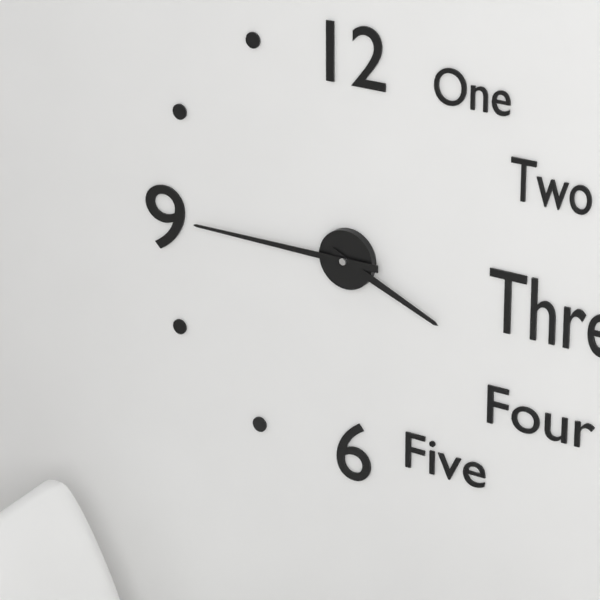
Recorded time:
3h45
